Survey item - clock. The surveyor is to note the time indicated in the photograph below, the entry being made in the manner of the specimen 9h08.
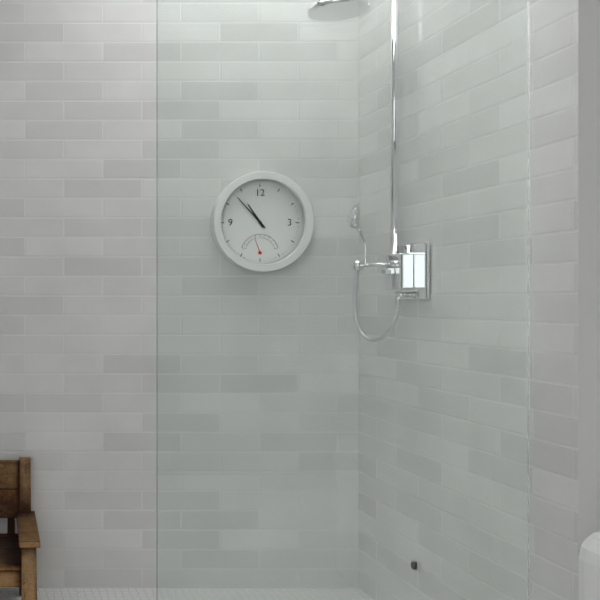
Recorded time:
10h53
